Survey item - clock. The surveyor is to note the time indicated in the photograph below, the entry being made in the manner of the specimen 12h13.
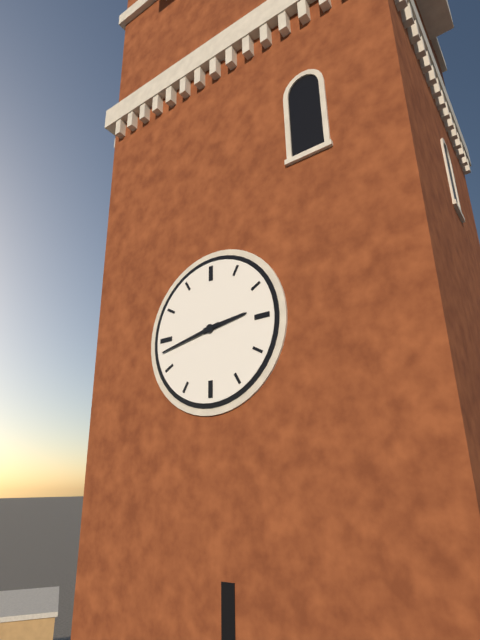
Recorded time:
2h43
